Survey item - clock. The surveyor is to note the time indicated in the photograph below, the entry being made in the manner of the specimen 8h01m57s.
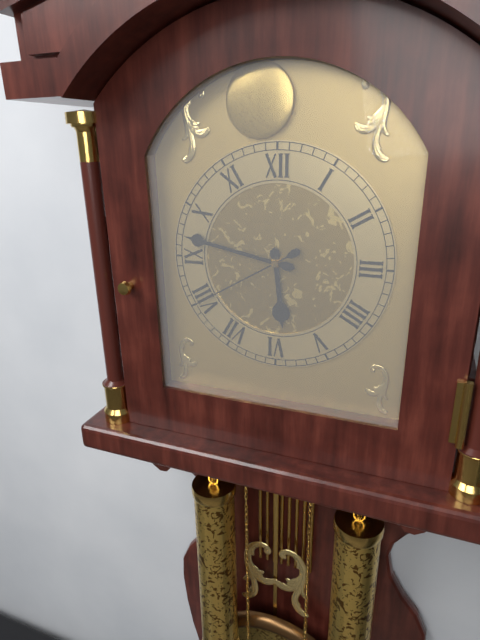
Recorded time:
5h47m40s
